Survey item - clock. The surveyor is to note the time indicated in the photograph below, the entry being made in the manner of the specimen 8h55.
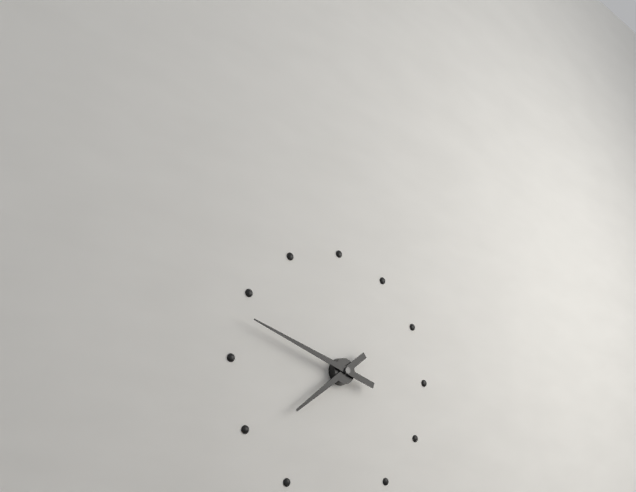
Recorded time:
7h48
